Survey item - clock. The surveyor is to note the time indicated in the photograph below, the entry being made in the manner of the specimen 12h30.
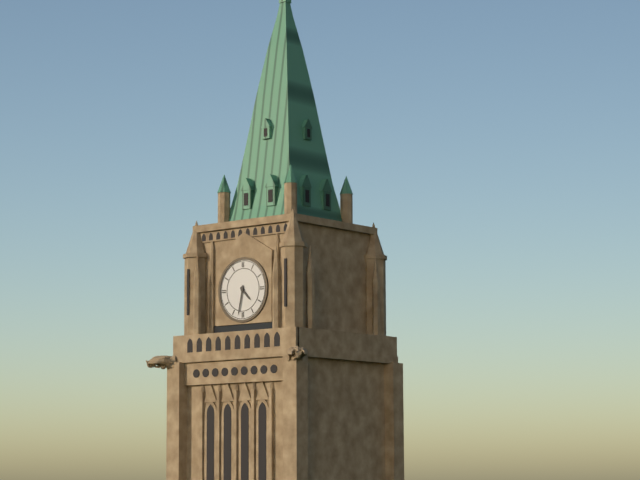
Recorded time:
4h32
